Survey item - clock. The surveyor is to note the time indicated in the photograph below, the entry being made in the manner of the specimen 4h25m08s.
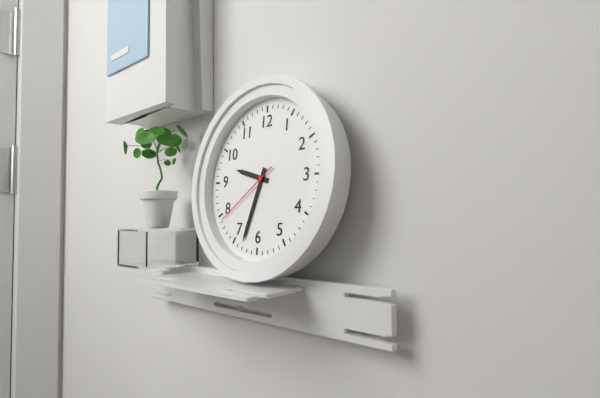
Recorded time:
9h33m39s
